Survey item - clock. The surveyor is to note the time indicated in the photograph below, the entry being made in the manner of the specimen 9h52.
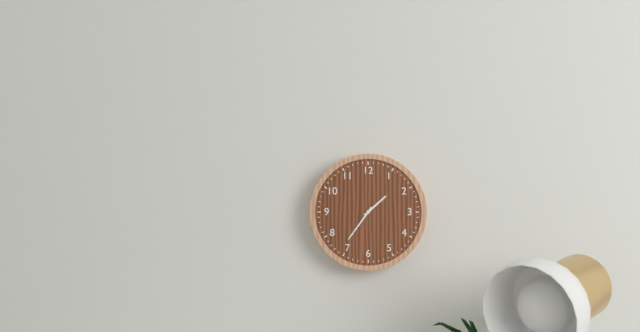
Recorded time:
1h36
